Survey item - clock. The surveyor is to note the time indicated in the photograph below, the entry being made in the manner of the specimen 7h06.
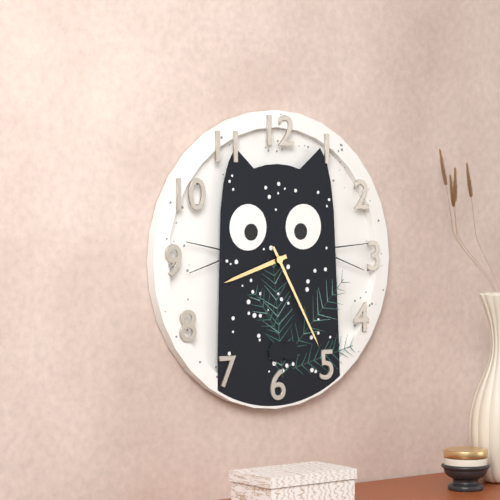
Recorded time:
8h25
